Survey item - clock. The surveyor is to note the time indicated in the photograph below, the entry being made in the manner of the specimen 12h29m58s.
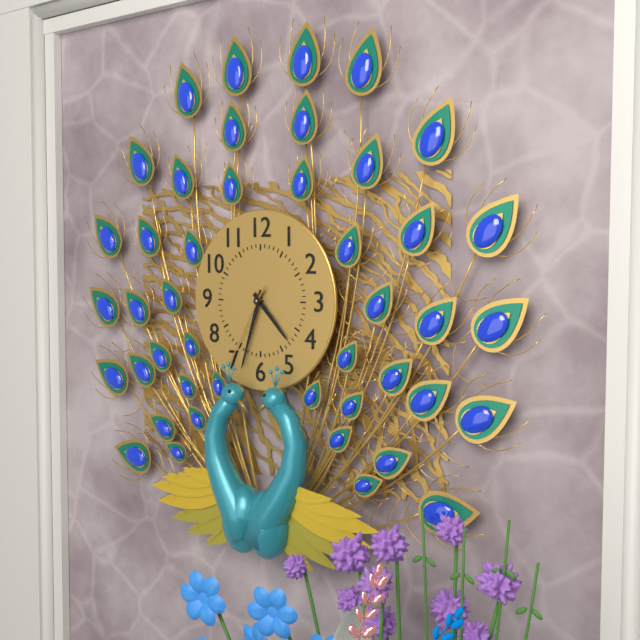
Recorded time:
4h33m35s
